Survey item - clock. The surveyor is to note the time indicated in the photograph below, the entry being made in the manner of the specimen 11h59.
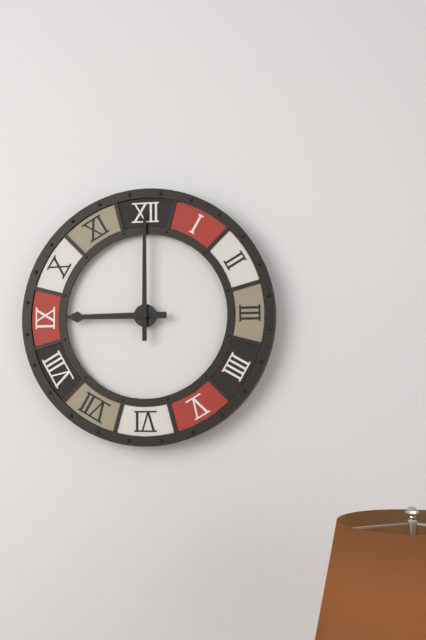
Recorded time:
9h00
